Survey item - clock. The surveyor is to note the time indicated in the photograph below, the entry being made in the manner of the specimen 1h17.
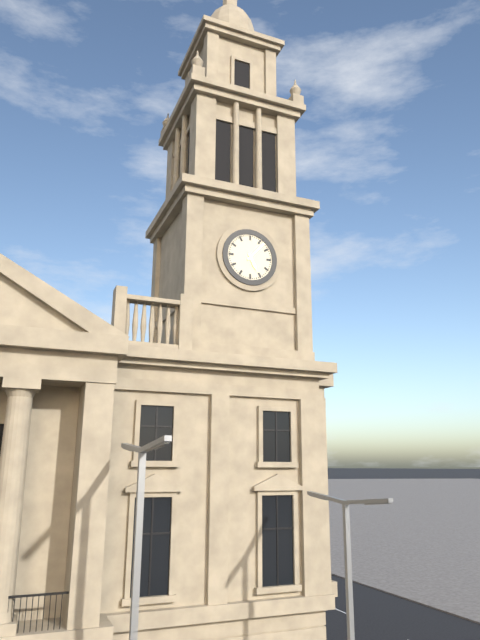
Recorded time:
5h07
